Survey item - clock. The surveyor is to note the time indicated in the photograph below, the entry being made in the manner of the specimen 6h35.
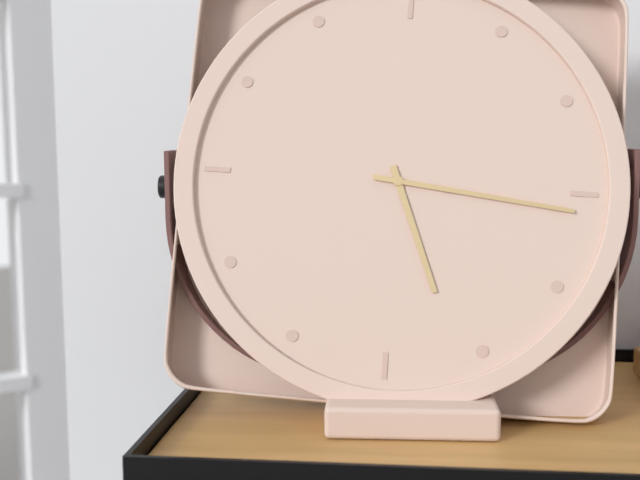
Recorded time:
5h16
